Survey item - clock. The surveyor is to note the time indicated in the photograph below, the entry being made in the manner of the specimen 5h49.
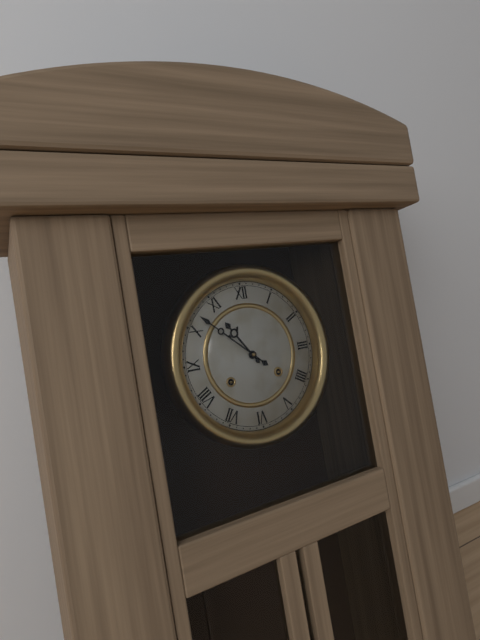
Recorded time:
10h52
